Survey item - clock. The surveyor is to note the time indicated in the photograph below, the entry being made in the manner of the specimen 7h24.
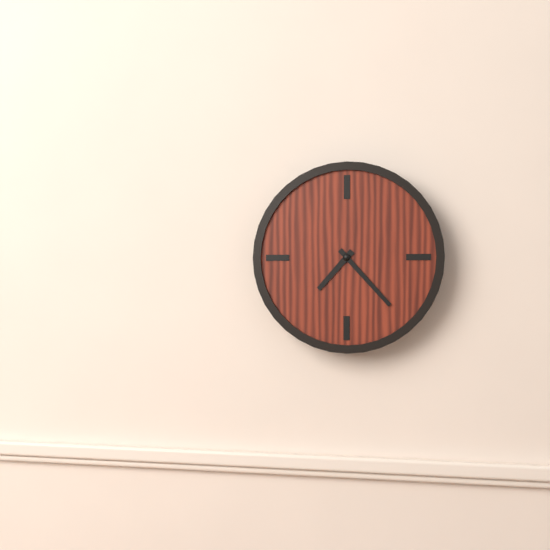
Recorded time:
7h23
